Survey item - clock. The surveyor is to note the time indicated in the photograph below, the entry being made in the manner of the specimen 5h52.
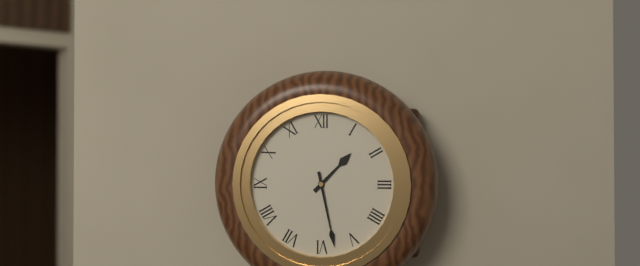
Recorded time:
1h28
